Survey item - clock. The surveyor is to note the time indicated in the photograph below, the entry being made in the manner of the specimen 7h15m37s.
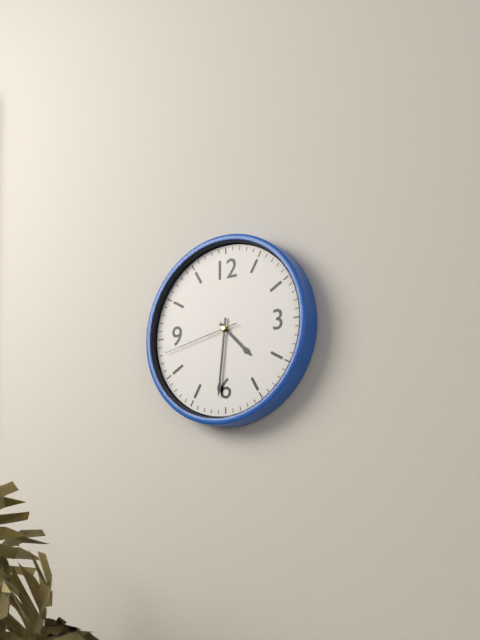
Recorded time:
4h31m43s
